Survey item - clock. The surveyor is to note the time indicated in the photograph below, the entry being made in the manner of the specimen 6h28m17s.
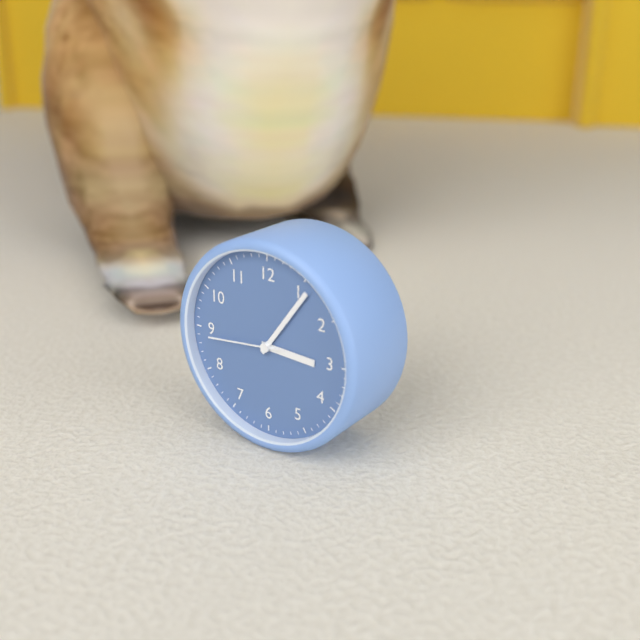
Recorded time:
3h06m44s
